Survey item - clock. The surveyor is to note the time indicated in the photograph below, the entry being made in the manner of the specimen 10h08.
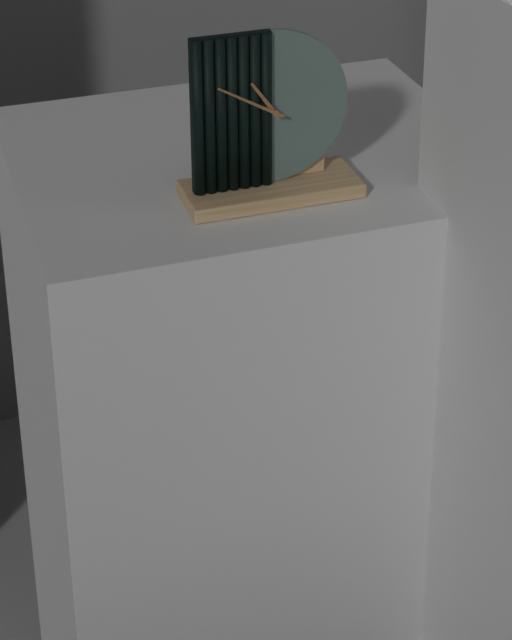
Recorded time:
10h50
